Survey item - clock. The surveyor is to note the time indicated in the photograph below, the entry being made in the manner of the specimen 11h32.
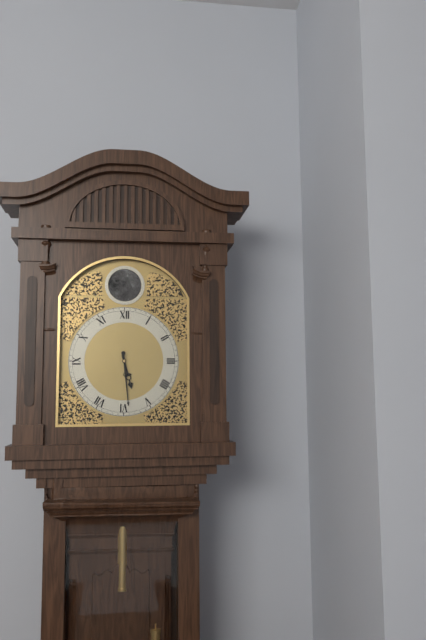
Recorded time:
5h29
